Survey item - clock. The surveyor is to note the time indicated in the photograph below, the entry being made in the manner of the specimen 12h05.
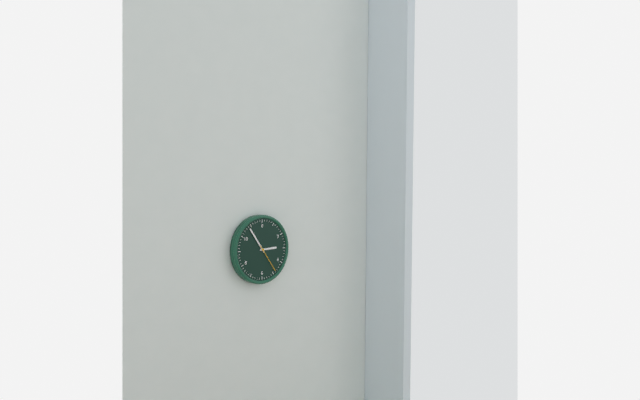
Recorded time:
2h54
